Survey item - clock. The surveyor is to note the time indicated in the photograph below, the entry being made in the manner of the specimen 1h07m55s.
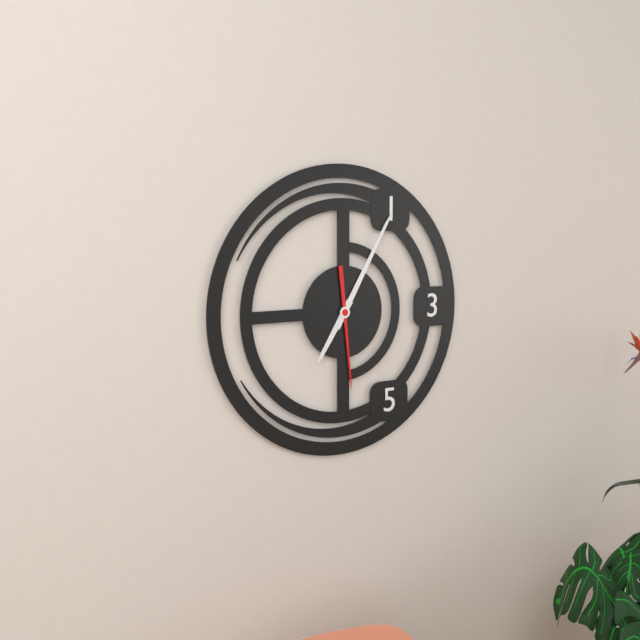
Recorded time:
7h05m29s
